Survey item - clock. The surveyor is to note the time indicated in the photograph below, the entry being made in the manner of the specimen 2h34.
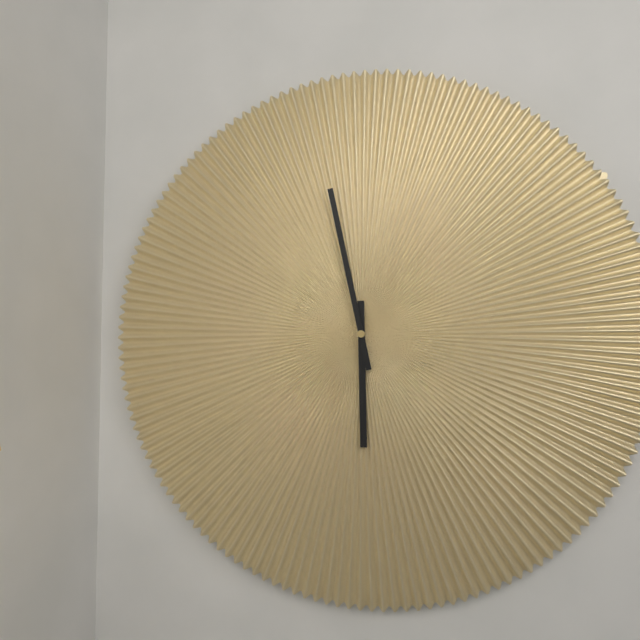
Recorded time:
5h58
